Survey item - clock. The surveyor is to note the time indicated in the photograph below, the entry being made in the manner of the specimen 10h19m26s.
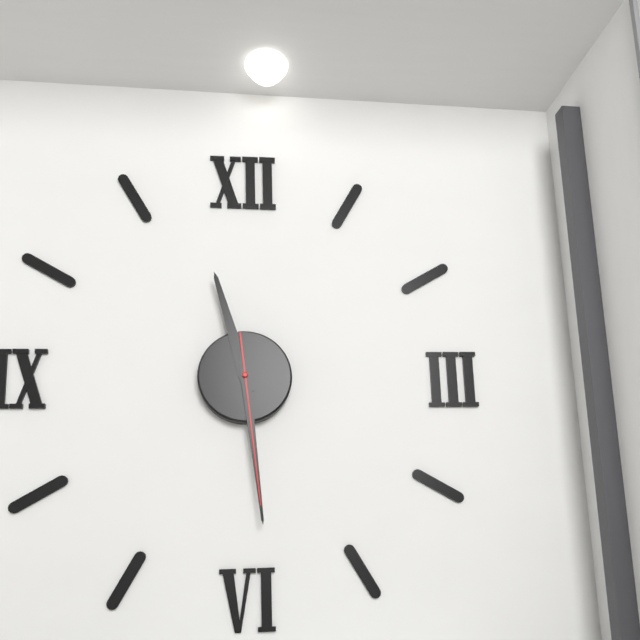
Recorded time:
11h29m29s
